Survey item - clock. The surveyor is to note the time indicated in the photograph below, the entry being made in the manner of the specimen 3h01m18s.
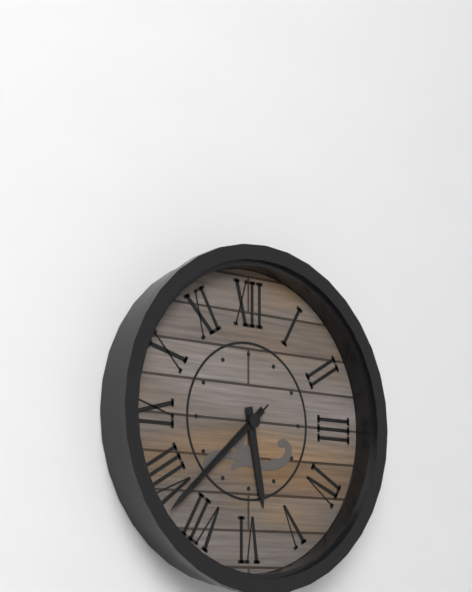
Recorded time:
5h38m38s
